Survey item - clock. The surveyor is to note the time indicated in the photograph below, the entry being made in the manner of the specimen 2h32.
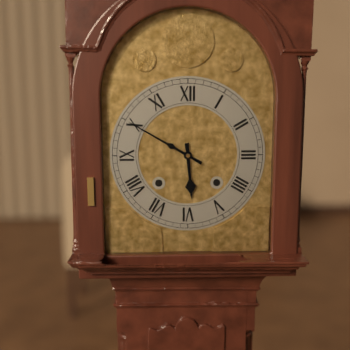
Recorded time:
5h50
